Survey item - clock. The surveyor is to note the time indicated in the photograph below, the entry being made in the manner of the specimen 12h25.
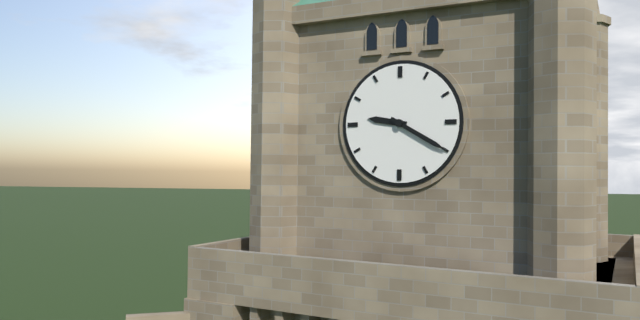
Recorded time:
9h20
